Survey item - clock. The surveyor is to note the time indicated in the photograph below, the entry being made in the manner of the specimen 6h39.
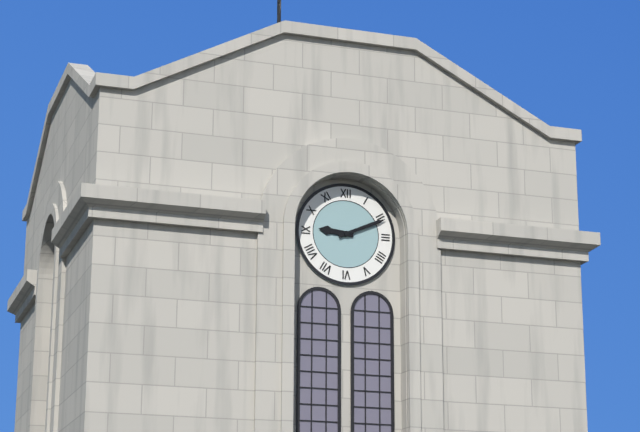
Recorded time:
9h11
